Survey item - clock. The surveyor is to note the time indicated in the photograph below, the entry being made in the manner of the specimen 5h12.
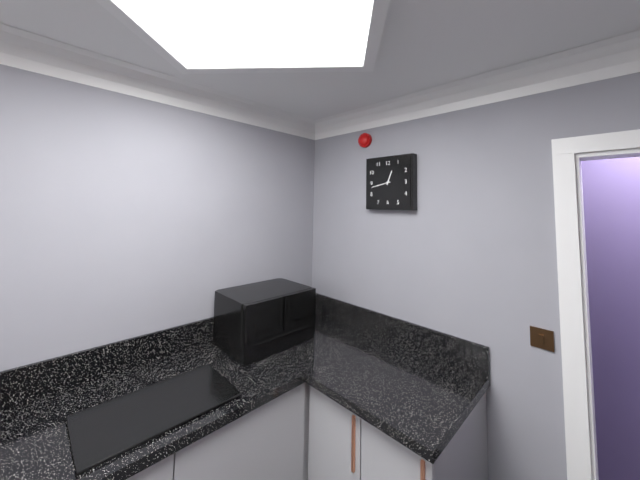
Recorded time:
12h43
